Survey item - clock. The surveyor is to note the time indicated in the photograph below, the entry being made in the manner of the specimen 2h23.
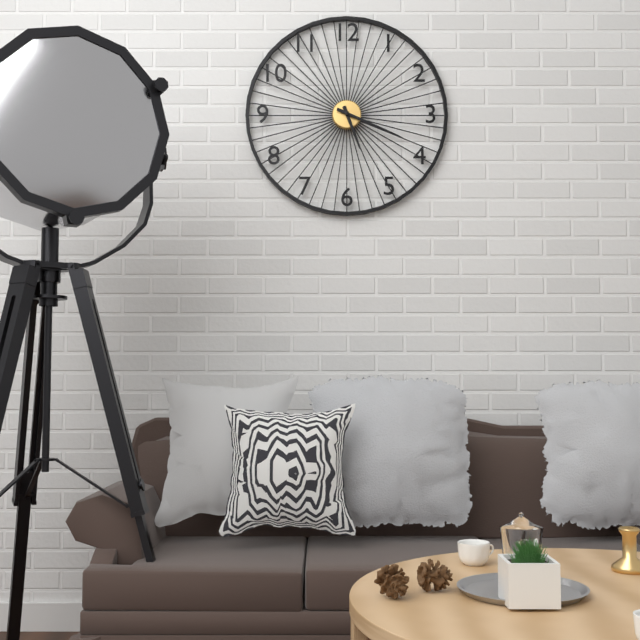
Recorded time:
5h19
